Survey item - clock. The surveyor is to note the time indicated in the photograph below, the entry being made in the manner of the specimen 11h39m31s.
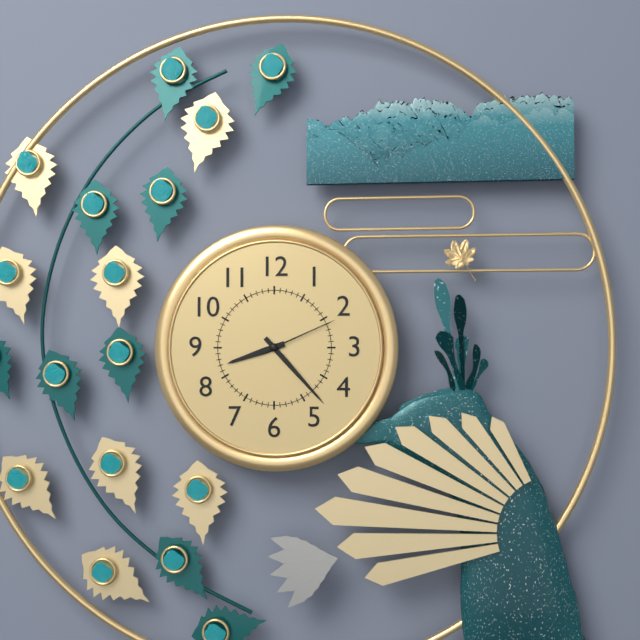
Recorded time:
8h23m11s
